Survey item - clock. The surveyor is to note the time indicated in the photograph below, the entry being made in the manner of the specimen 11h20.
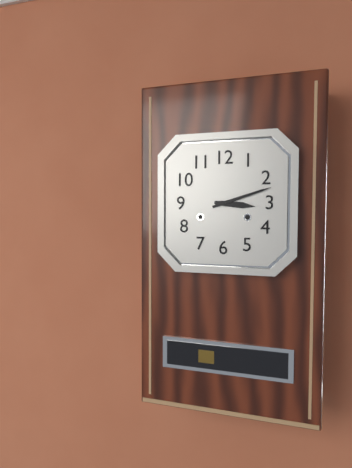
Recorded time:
3h12
